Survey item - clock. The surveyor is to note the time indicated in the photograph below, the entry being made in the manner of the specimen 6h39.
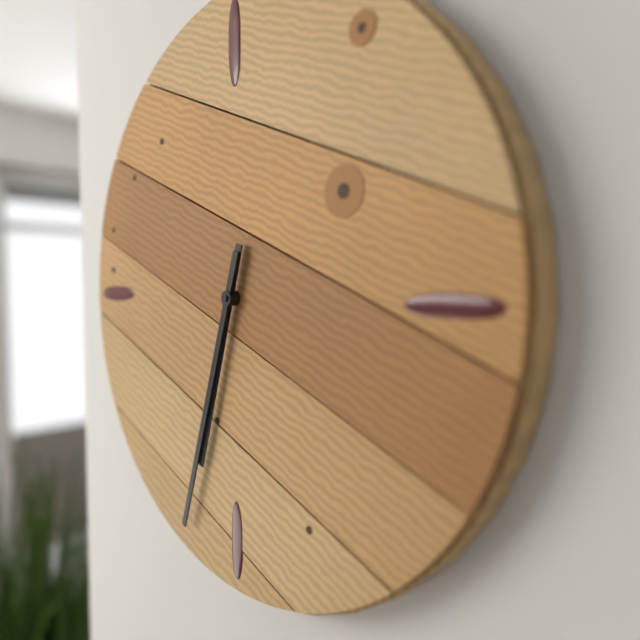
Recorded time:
6h33
